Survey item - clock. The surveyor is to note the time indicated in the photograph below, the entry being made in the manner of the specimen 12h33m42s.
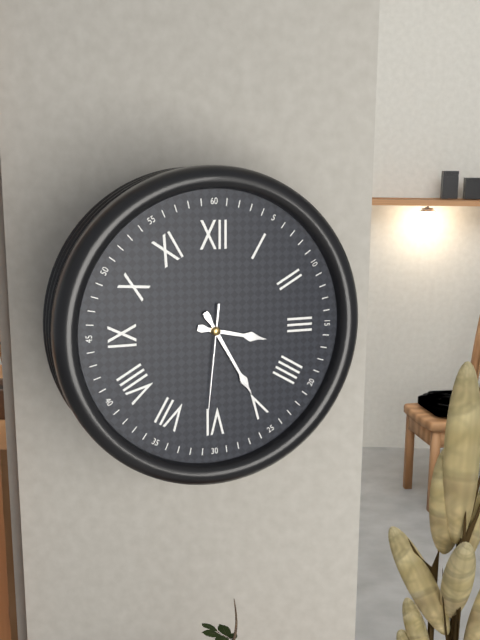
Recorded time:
3h25m31s
